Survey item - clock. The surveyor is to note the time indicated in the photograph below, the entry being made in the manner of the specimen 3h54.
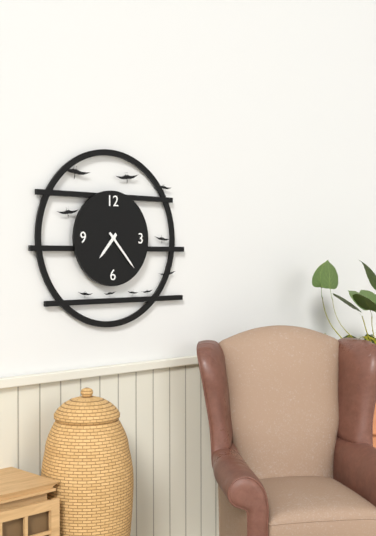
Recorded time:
7h23
